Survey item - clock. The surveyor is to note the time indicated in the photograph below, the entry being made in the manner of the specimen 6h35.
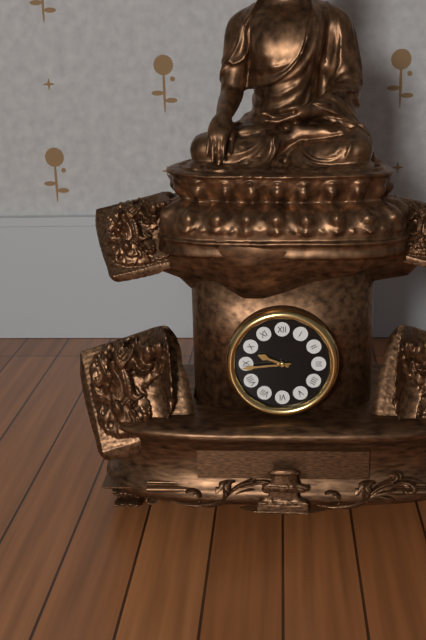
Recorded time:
9h44
